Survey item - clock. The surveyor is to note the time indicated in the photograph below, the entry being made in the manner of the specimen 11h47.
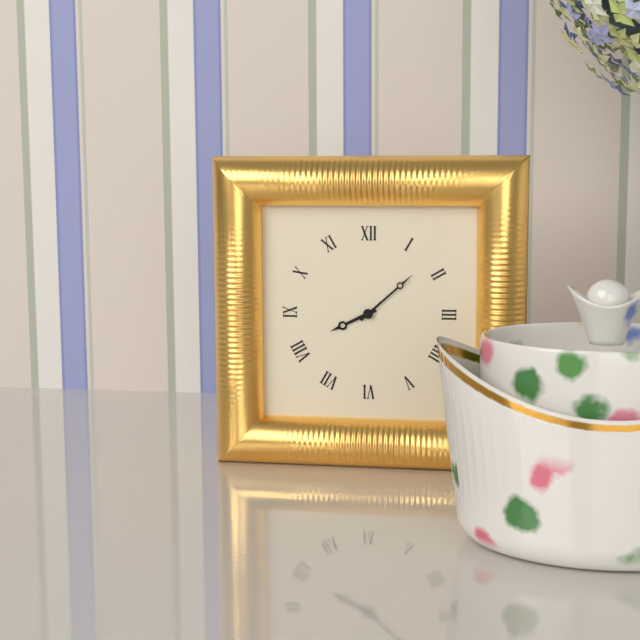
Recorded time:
8h08
